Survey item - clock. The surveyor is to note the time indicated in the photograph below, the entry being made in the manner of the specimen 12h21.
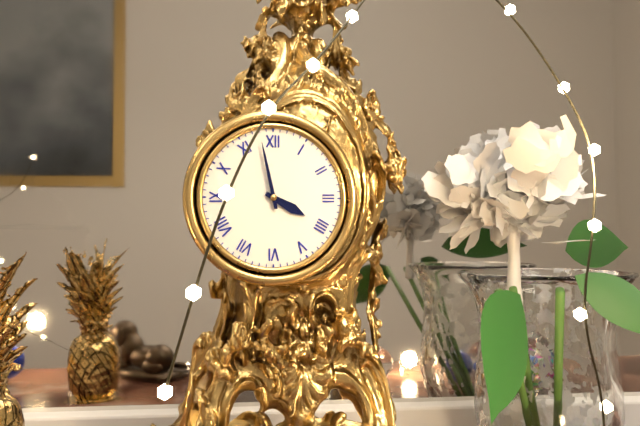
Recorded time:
3h58
